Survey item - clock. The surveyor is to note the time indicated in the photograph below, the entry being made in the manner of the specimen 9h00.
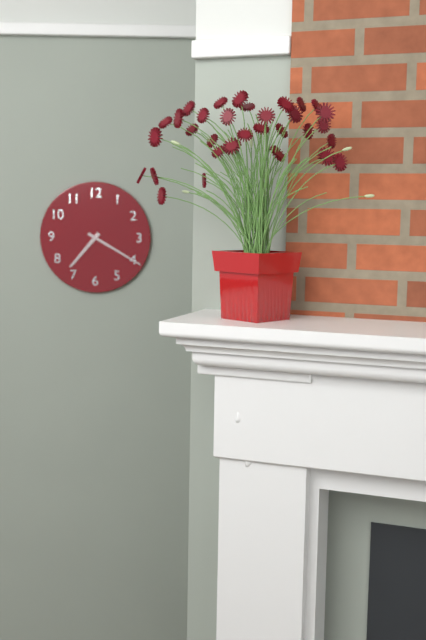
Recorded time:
7h20
